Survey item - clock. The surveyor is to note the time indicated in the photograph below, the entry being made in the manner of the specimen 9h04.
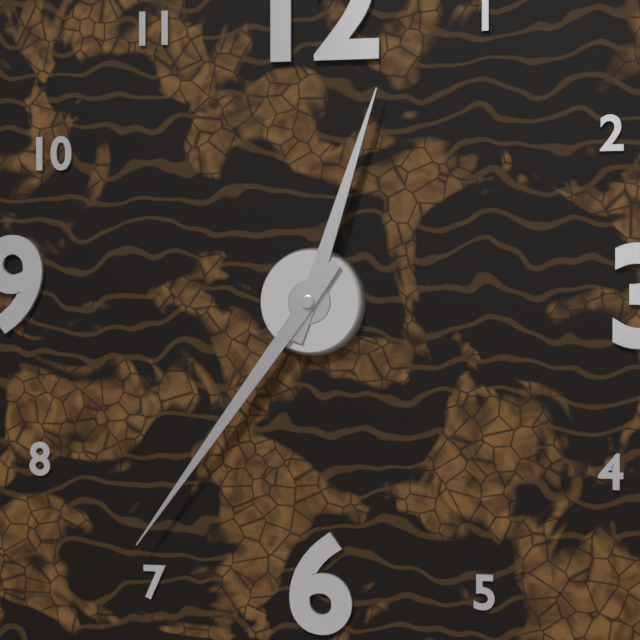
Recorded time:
12h36
